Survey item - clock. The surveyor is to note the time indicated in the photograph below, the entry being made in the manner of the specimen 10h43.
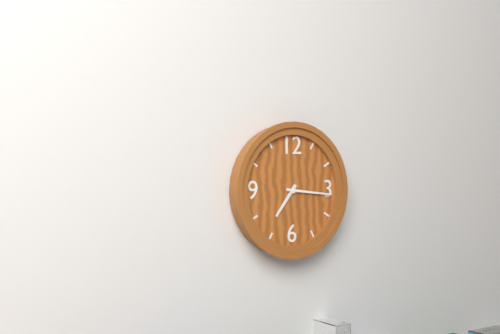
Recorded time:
7h16
